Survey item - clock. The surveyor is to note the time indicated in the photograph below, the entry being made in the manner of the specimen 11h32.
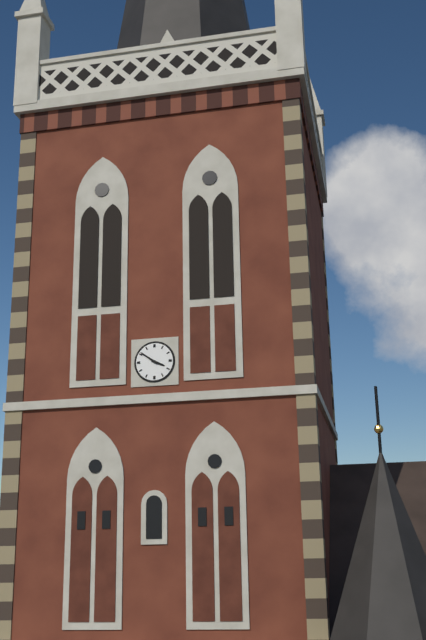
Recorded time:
3h51
